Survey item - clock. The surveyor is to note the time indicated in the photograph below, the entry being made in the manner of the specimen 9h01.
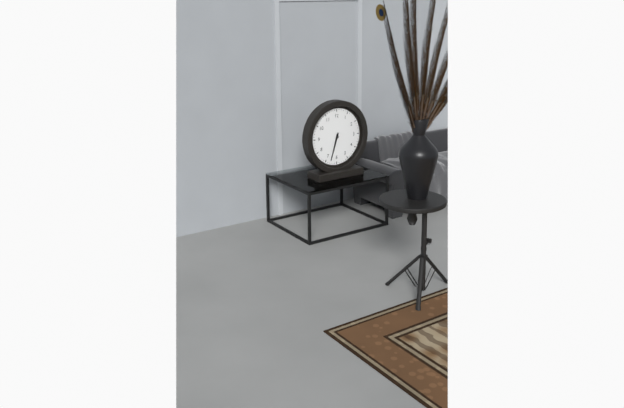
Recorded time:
6h33
